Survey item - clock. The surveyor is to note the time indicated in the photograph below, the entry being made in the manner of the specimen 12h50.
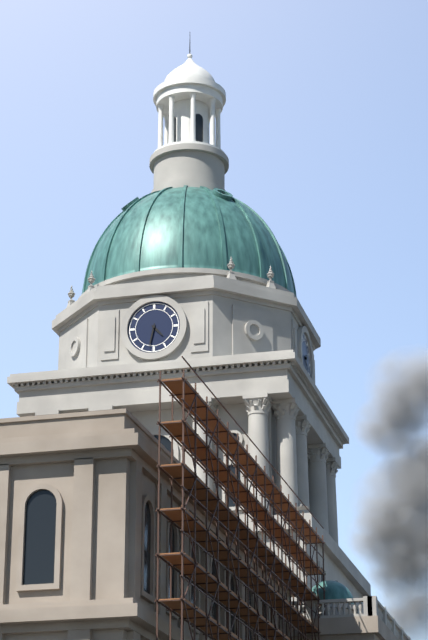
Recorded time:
4h32
